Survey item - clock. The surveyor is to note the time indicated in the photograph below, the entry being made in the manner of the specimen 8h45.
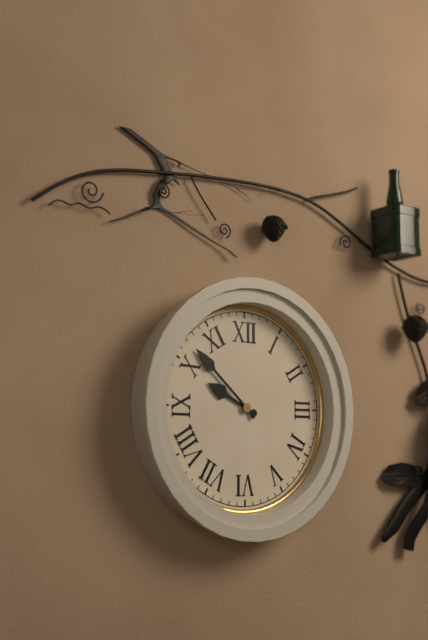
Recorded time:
9h52
